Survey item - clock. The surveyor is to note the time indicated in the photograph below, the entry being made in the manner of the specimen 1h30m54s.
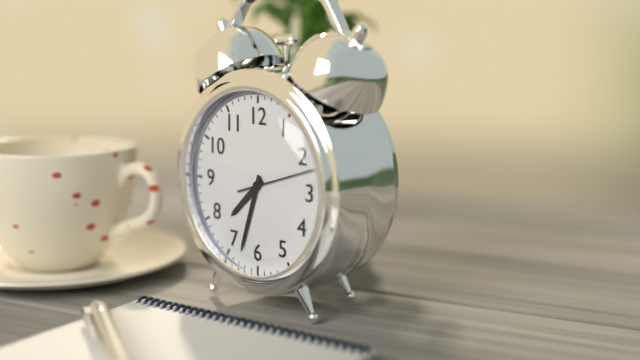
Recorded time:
7h33m12s
